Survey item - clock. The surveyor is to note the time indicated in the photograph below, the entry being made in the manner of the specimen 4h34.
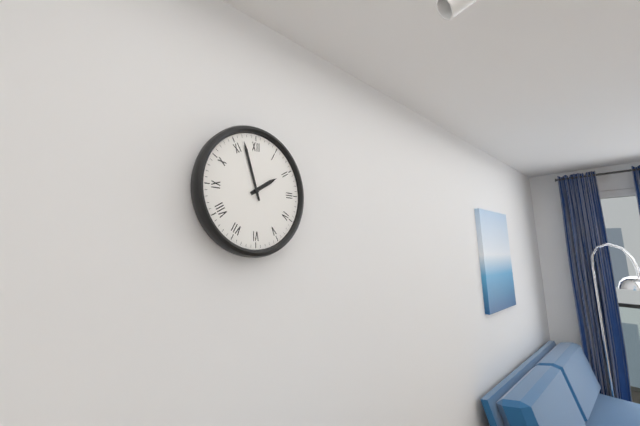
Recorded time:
1h57
